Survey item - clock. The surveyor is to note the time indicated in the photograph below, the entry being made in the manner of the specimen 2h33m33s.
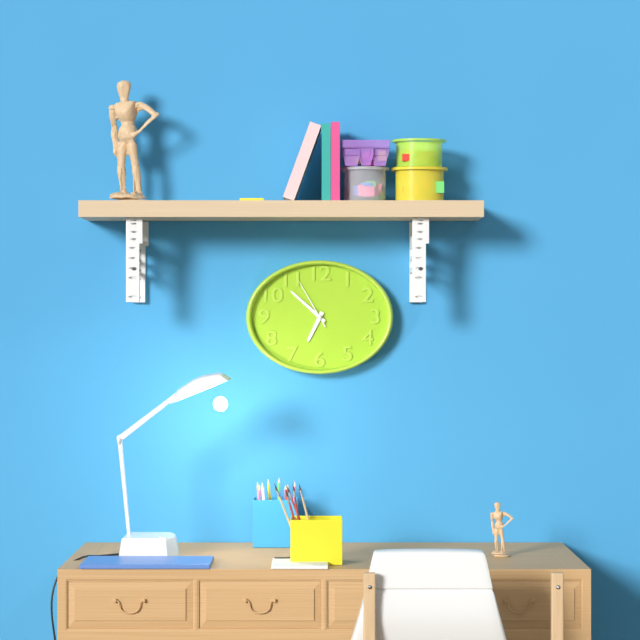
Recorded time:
6h52m55s
